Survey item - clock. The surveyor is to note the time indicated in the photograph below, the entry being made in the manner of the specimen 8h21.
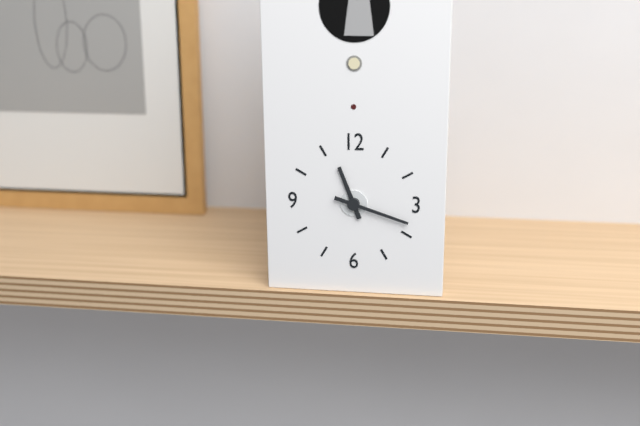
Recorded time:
11h18
